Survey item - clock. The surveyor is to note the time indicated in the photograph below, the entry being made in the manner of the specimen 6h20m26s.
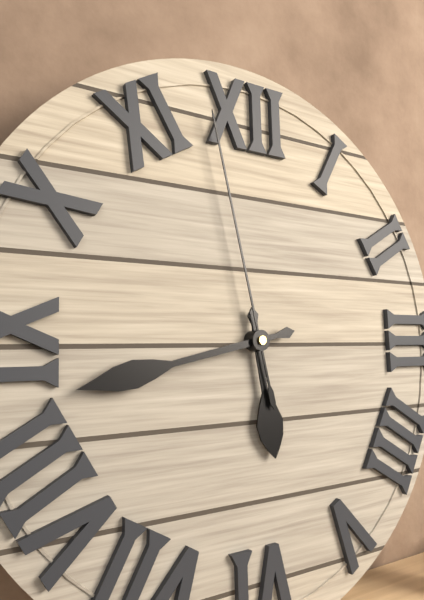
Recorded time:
5h43m58s
